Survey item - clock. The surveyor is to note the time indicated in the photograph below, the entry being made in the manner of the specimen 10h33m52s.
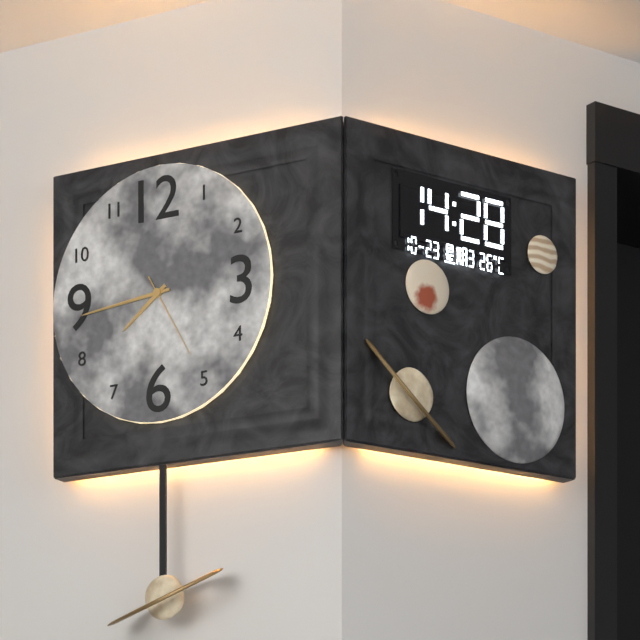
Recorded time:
7h44m25s
